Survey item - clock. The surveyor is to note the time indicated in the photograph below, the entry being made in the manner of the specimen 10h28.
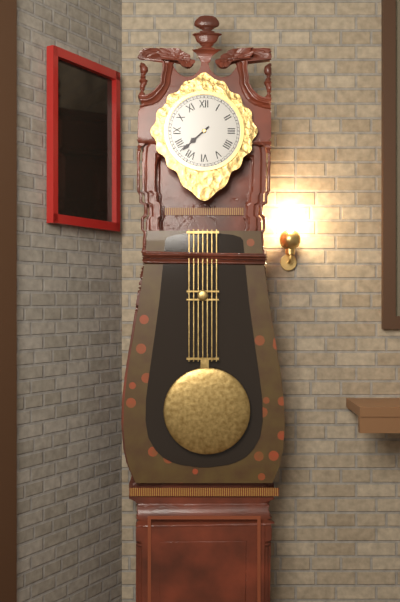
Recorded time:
7h38
